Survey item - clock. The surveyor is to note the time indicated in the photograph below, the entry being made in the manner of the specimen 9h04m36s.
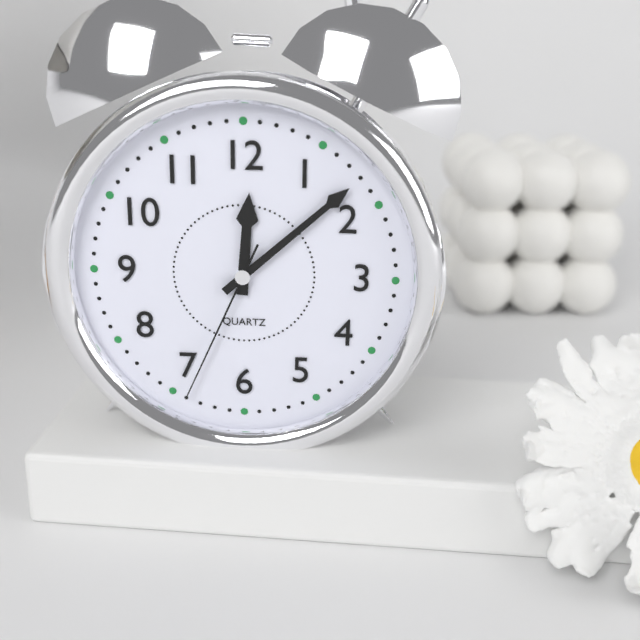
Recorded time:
12h08m34s
